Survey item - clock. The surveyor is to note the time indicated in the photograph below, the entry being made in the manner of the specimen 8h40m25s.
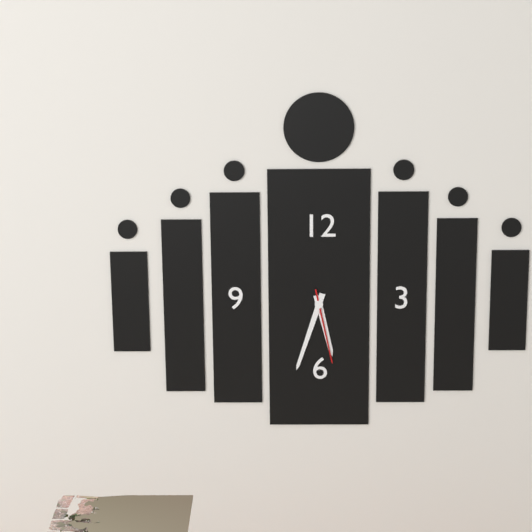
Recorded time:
5h33m28s
